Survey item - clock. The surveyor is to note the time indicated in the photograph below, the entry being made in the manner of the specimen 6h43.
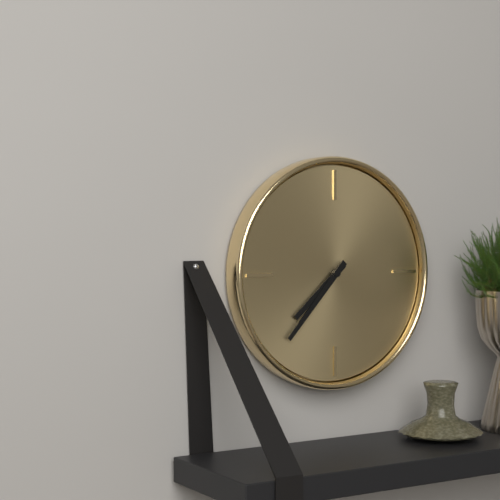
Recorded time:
7h37
